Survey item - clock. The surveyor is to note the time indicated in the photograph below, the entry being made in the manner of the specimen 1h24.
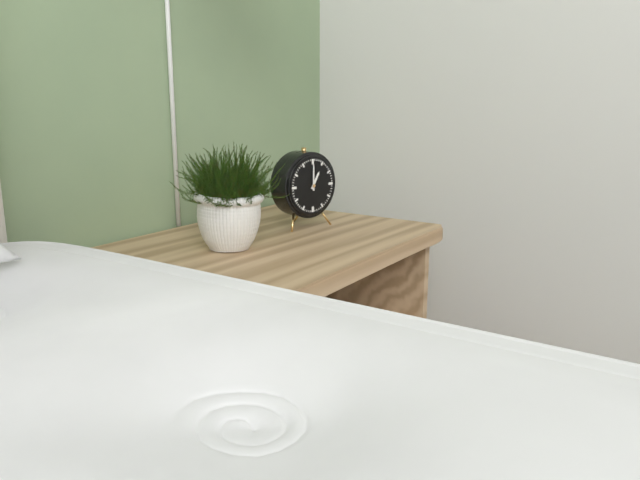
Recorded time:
1h00
